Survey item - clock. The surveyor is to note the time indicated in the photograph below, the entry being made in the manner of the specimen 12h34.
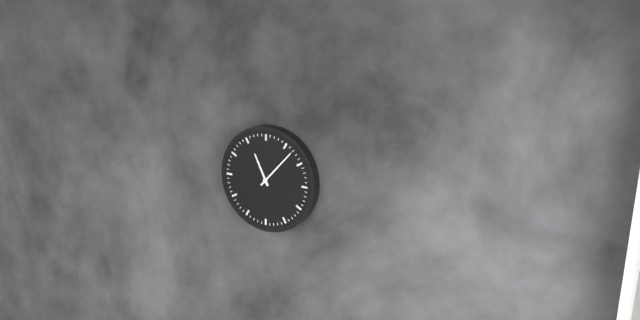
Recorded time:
11h07
